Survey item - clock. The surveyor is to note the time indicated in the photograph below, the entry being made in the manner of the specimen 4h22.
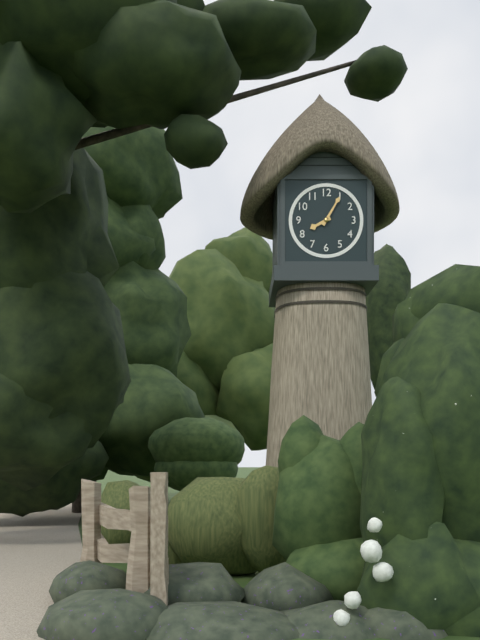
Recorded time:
8h05
